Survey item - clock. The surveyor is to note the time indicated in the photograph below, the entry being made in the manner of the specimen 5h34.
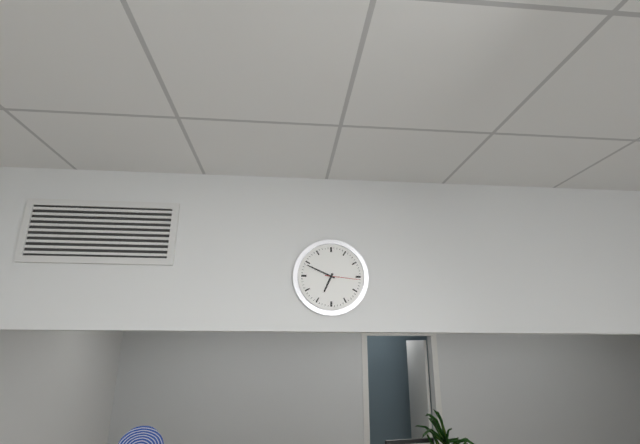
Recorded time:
6h49
